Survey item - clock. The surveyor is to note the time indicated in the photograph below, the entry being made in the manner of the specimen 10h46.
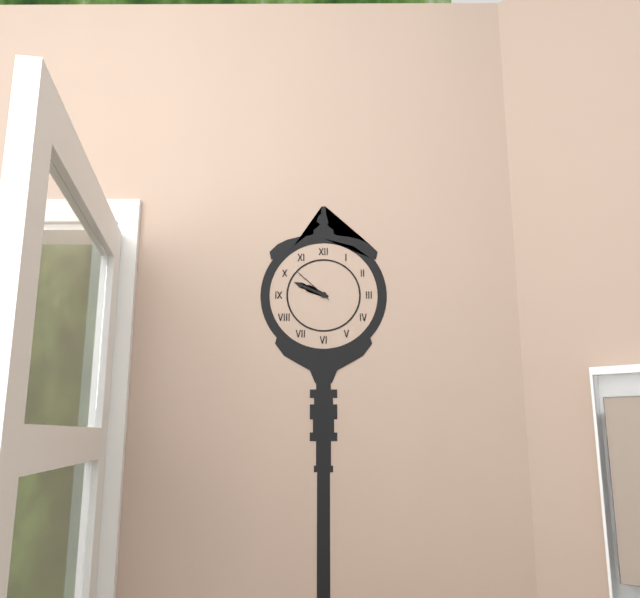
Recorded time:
9h49
